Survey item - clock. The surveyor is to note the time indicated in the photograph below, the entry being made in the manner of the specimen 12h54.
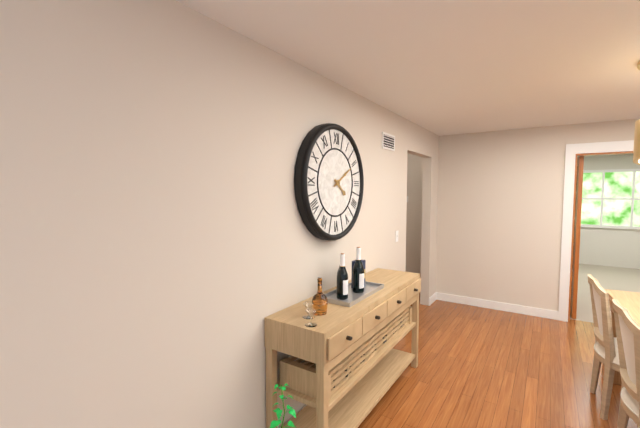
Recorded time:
4h10
